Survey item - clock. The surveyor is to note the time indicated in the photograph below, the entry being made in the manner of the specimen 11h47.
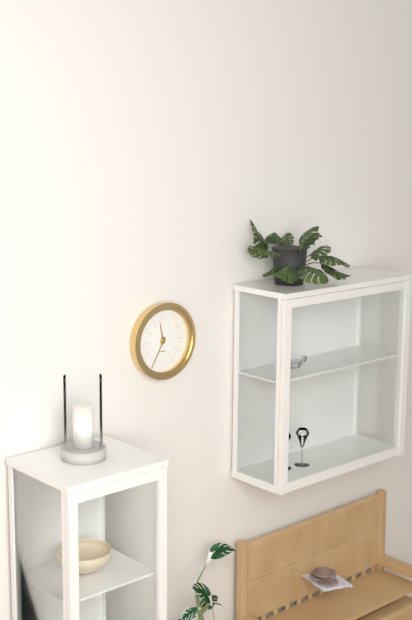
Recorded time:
11h35
